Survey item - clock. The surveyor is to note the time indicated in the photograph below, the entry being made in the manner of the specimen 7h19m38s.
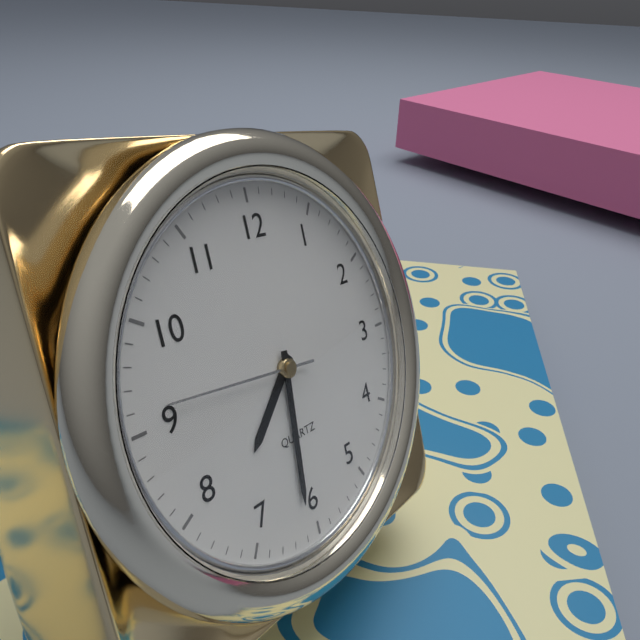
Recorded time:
7h31m46s
